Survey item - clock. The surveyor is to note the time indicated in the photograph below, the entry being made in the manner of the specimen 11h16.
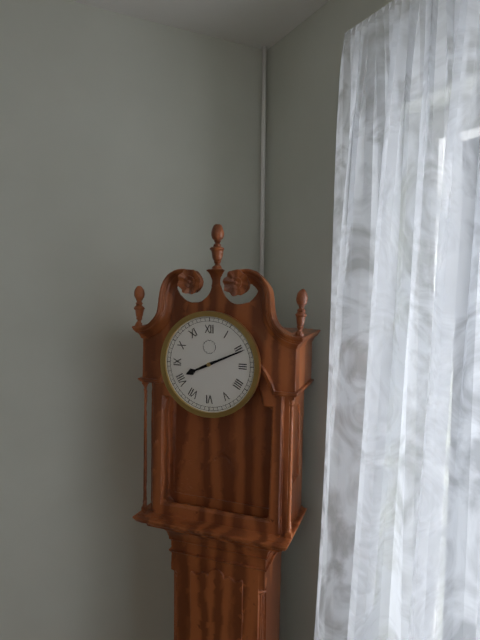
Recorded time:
8h11
